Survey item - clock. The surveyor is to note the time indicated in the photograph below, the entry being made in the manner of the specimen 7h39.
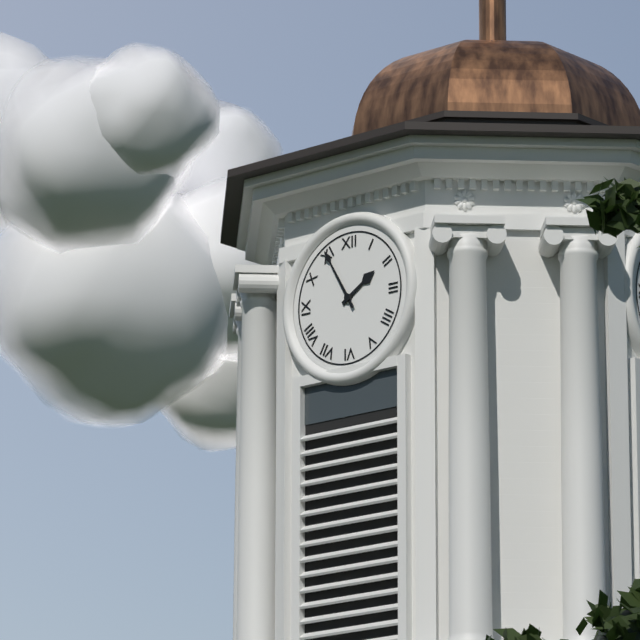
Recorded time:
1h55
